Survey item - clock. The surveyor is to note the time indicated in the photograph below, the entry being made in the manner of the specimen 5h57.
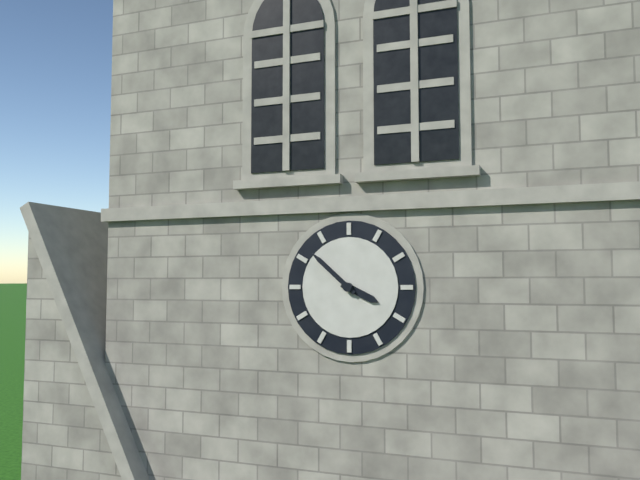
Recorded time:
3h52
